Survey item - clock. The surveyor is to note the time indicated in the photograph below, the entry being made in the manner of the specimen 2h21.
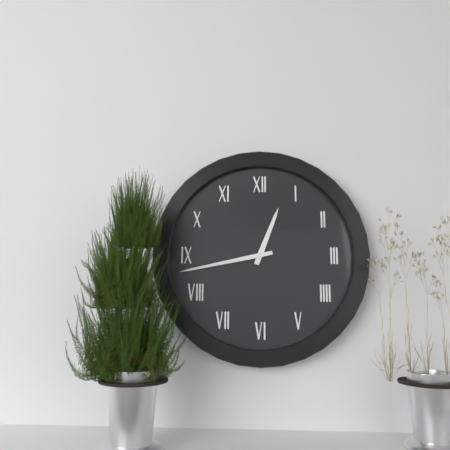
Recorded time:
12h43
